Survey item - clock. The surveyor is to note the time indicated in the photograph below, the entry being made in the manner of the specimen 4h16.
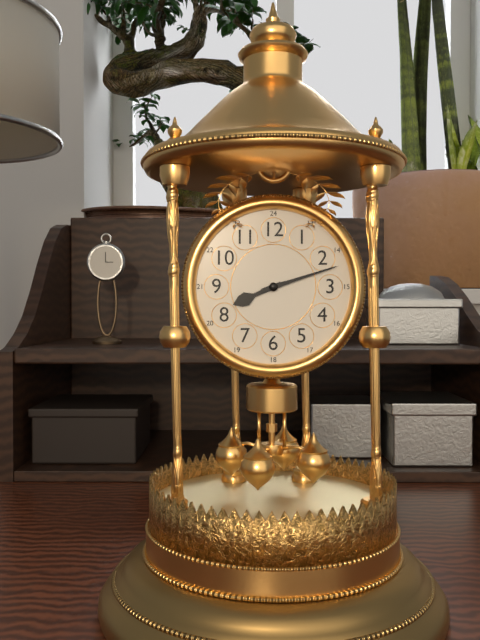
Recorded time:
8h12
